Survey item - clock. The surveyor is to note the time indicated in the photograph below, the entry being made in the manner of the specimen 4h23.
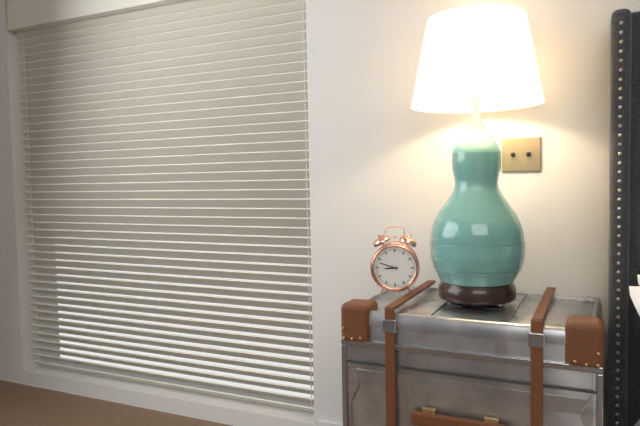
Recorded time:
8h48
